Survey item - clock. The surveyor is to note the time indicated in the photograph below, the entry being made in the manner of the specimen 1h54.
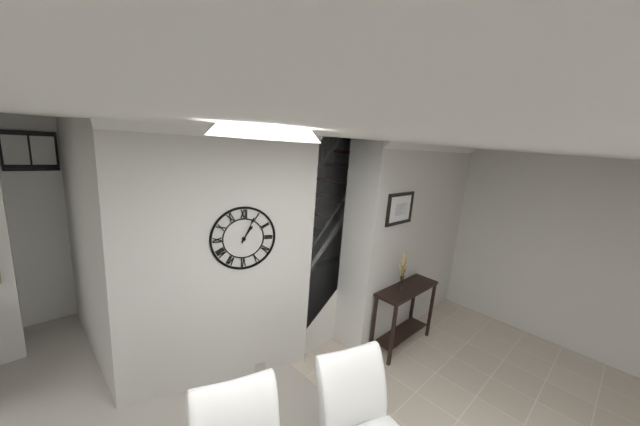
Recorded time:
1h04
